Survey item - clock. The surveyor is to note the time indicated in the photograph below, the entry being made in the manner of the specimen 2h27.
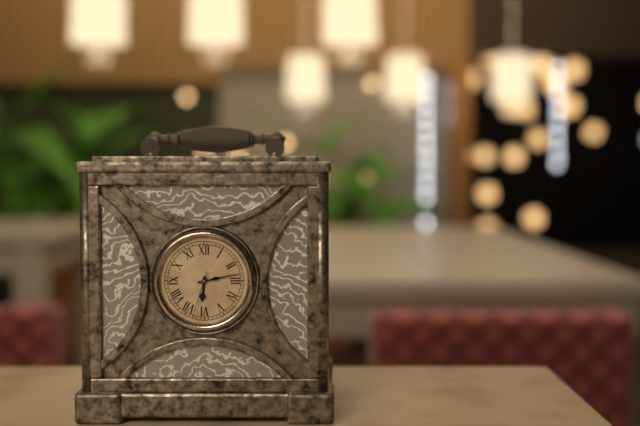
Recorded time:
6h13
